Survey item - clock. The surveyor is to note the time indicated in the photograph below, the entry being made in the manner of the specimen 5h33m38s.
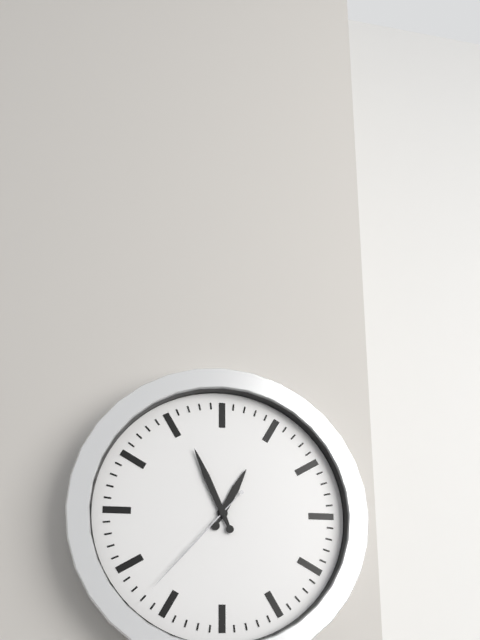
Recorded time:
12h56m37s
